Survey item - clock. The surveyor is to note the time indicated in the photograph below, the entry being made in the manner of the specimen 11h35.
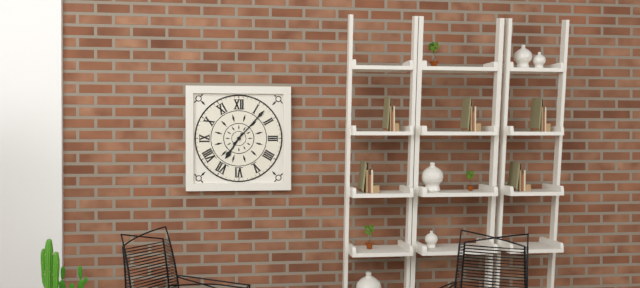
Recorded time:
7h07
